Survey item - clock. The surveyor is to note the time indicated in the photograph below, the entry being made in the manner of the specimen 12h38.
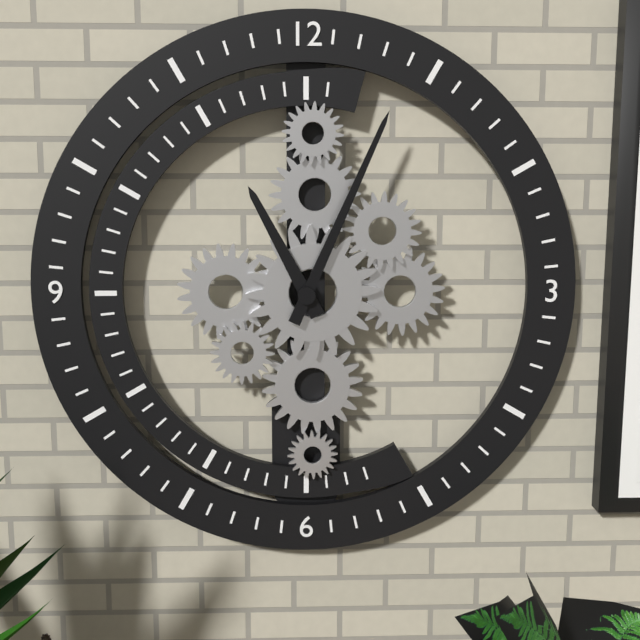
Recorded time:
11h04
